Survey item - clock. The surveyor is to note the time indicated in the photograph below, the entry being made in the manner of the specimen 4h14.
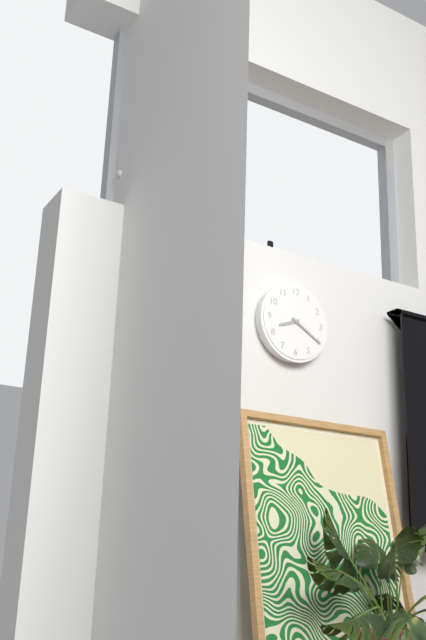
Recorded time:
8h20
